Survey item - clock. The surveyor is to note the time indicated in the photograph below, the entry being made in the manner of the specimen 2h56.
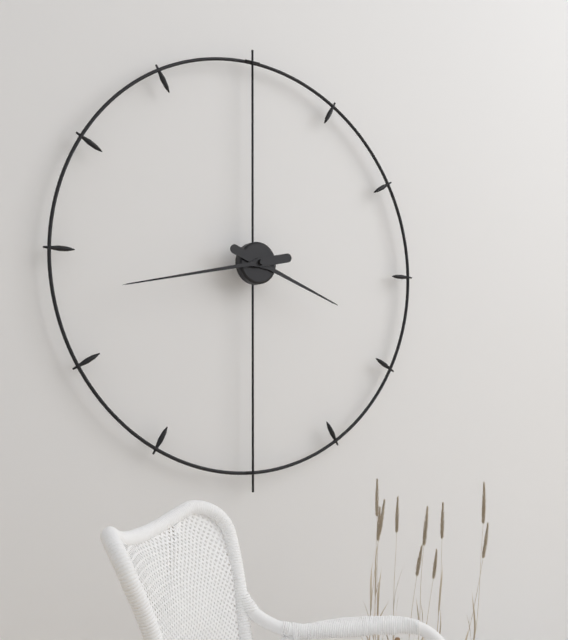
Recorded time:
3h43
